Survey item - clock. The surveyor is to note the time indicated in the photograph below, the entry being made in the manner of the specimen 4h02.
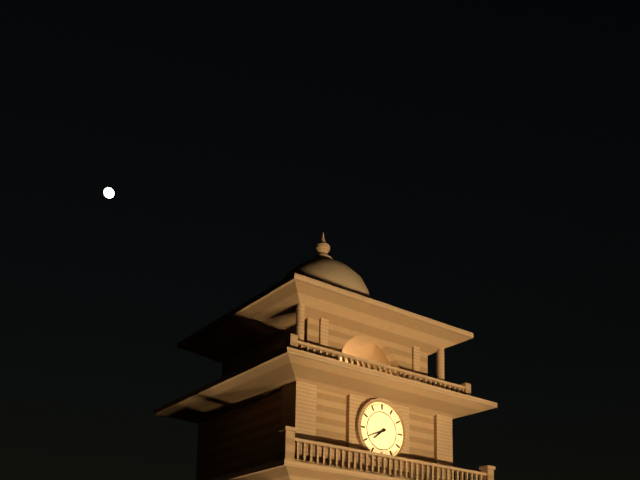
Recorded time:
7h41
